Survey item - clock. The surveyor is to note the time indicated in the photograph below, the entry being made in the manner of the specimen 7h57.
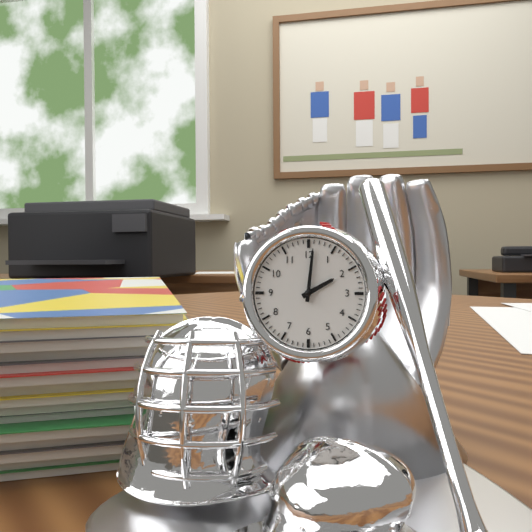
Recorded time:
2h01
